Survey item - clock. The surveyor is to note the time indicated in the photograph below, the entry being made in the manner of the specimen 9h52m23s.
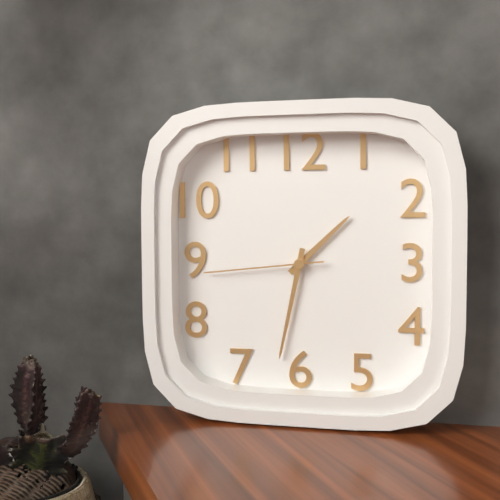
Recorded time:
1h32m44s
